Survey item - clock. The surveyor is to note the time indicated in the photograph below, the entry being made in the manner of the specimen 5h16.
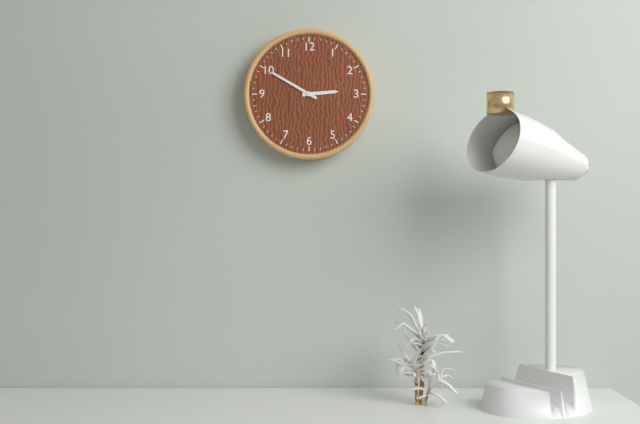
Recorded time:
2h50
